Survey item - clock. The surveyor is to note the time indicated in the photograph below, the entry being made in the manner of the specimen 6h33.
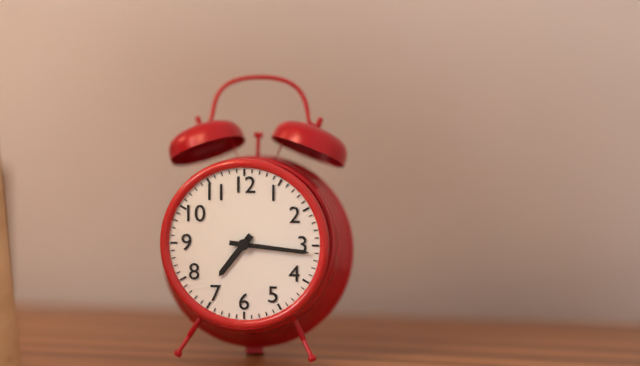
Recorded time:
7h16
